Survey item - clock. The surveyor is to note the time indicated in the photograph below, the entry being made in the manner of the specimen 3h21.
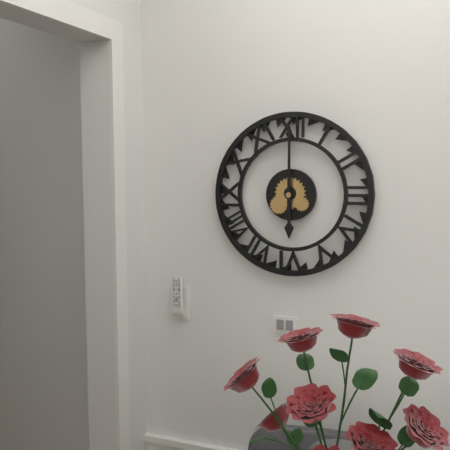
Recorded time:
6h00
